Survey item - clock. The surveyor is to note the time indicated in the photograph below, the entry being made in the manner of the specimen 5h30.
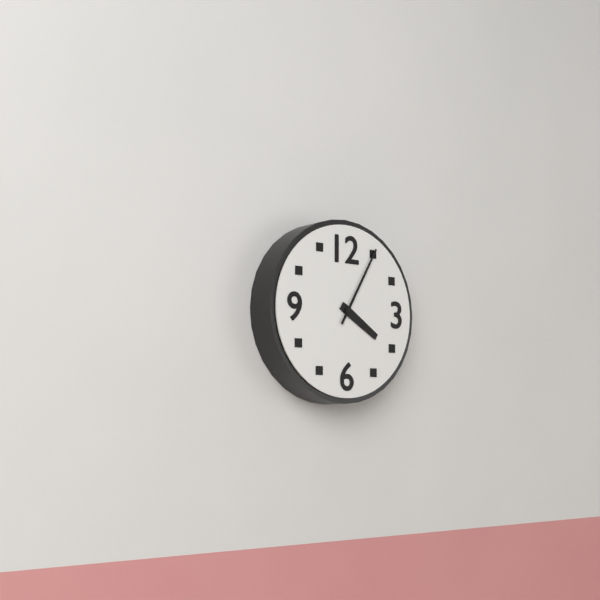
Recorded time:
4h05
